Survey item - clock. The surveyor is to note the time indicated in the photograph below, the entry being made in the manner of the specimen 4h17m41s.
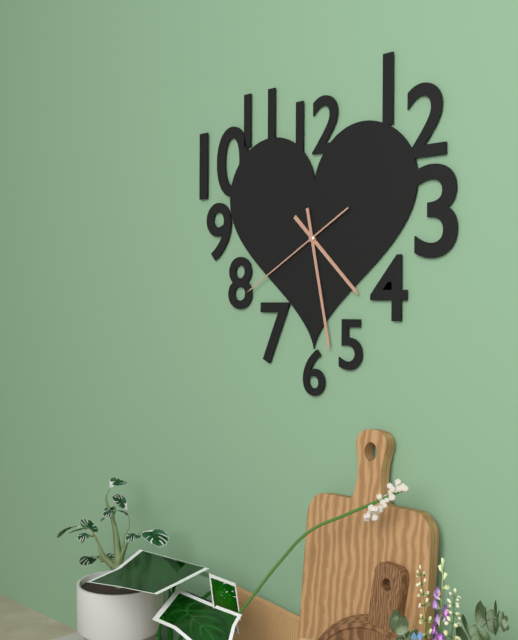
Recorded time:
4h28m40s
